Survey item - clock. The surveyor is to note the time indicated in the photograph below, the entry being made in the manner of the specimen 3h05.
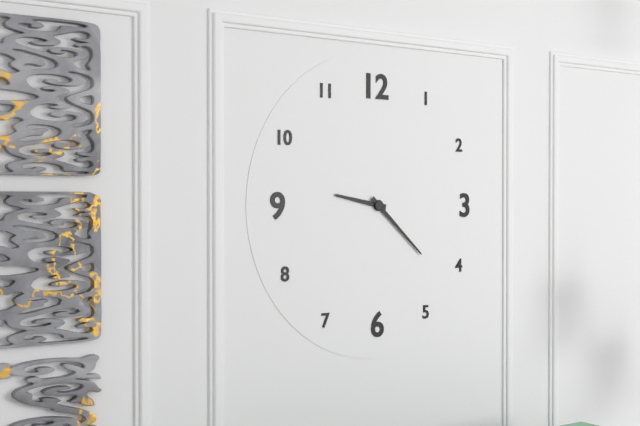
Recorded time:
9h22
